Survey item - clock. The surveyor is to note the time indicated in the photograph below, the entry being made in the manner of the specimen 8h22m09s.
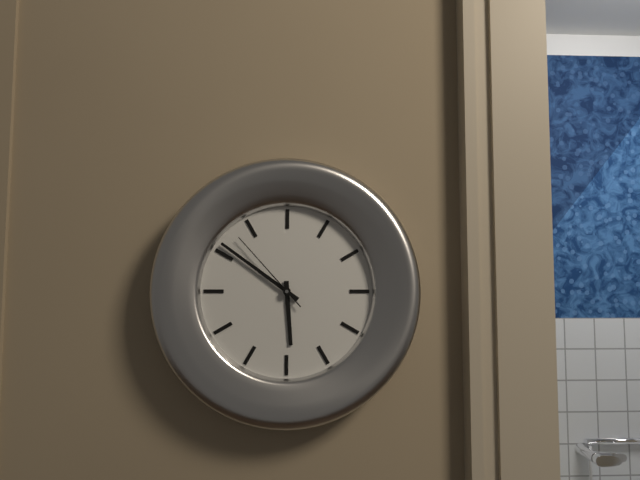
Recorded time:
5h51m53s
